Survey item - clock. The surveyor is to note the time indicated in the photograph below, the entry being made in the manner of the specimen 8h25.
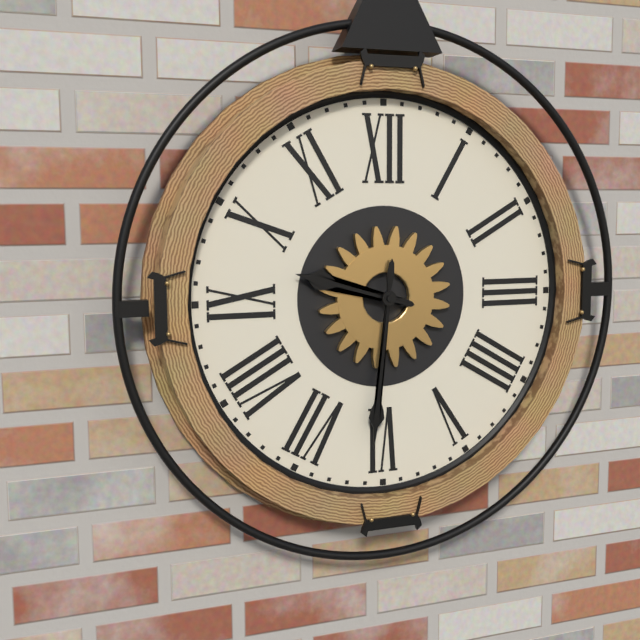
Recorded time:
9h31
